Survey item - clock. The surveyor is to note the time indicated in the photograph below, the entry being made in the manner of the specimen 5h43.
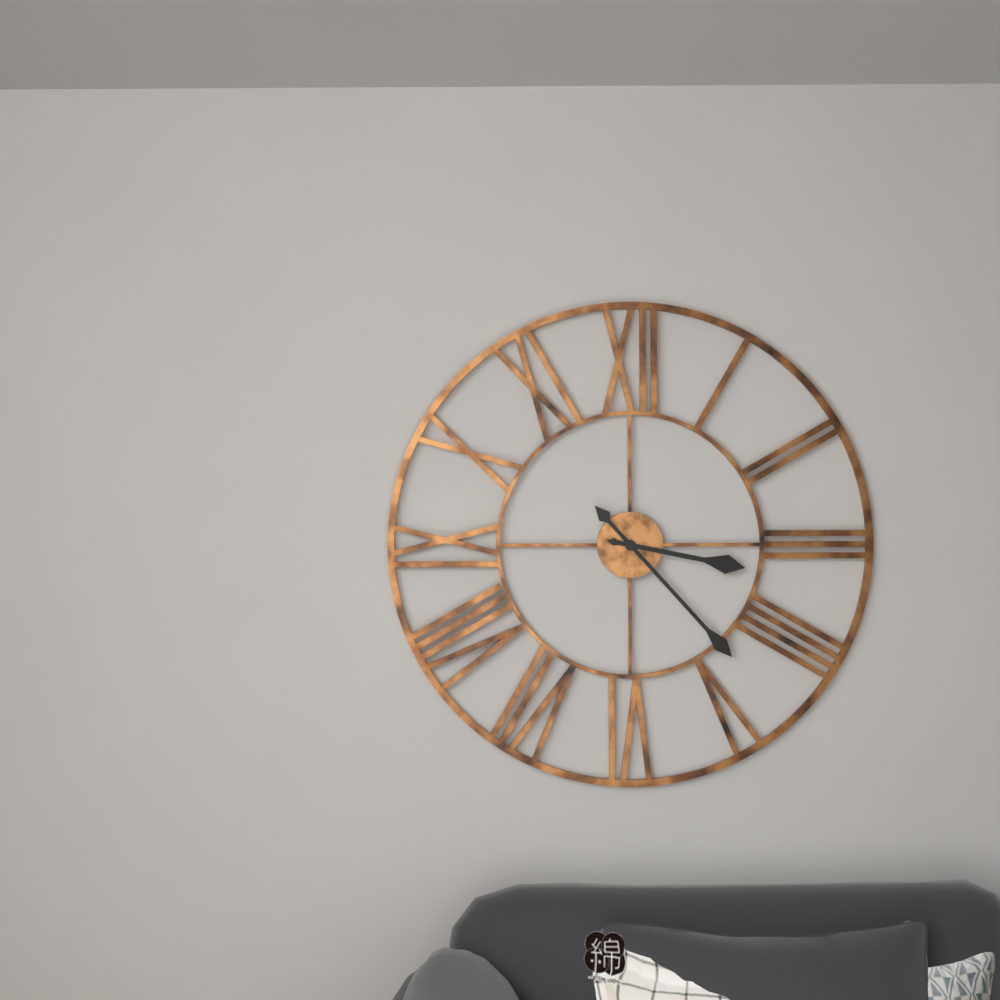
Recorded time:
3h23
